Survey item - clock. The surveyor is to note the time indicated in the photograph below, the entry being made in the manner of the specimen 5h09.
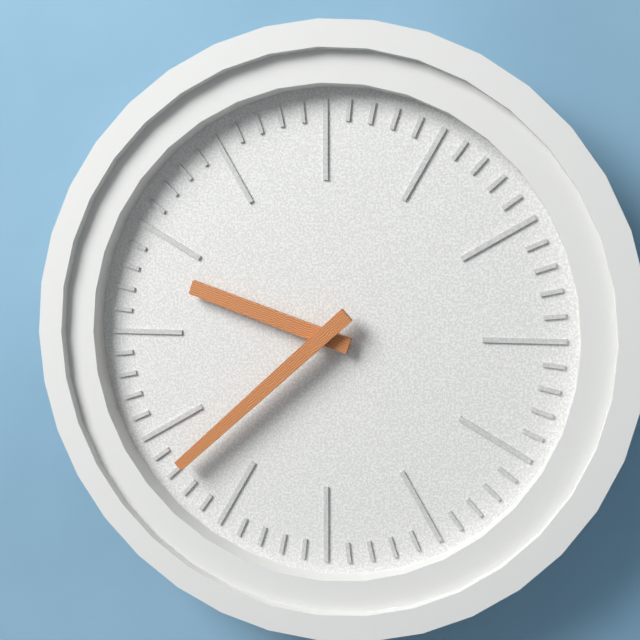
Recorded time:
9h38
